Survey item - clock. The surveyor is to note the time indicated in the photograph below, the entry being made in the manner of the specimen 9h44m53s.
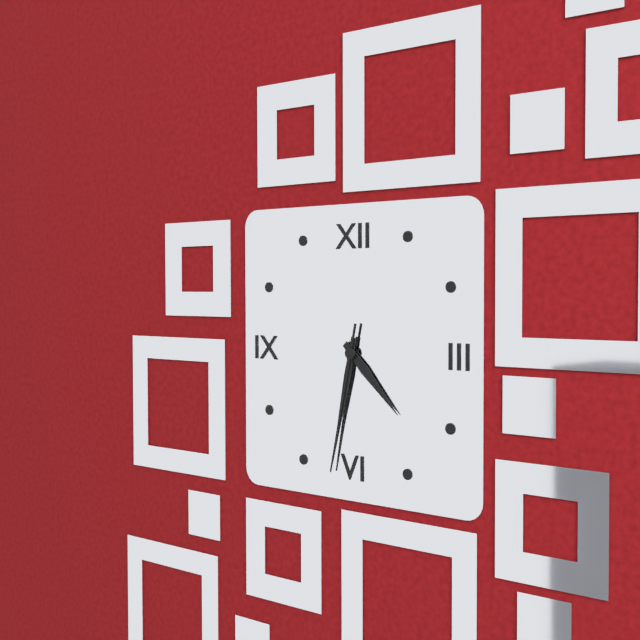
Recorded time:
4h32m32s
